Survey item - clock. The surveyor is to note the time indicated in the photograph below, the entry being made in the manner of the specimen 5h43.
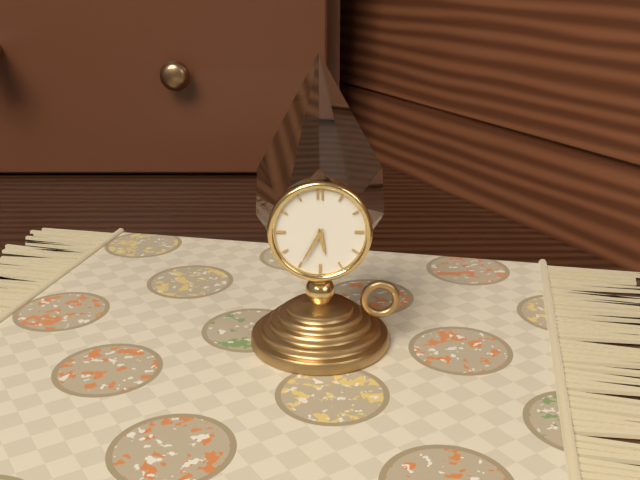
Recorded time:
5h35
